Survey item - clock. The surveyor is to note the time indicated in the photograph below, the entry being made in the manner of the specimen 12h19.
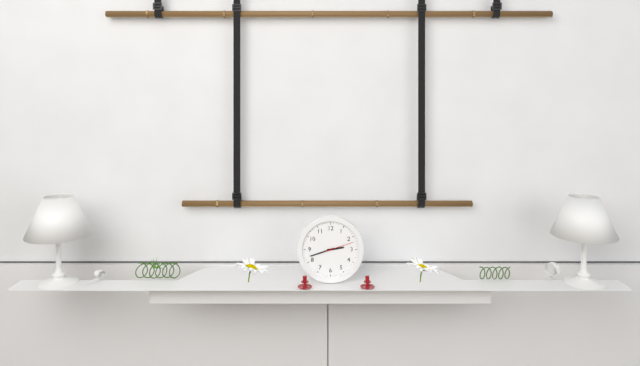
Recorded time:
2h42
